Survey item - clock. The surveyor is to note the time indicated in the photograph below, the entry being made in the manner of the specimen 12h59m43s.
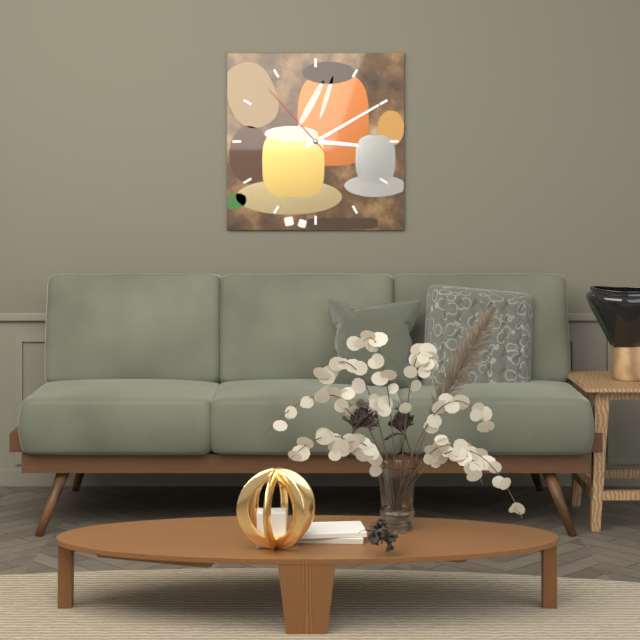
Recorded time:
3h10m53s
